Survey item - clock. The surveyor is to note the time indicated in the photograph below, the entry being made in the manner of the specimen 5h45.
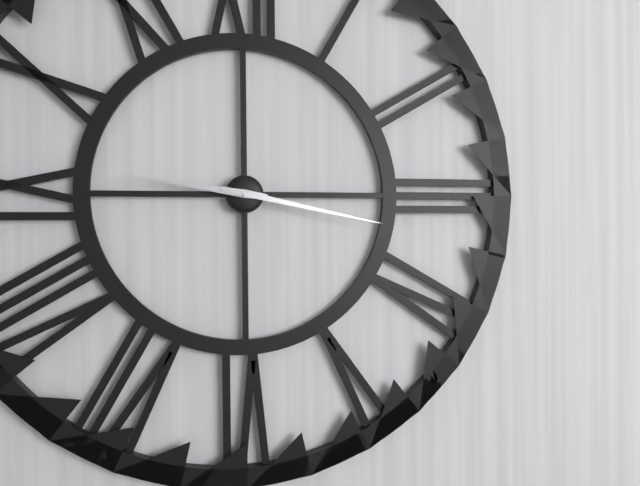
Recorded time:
9h17
